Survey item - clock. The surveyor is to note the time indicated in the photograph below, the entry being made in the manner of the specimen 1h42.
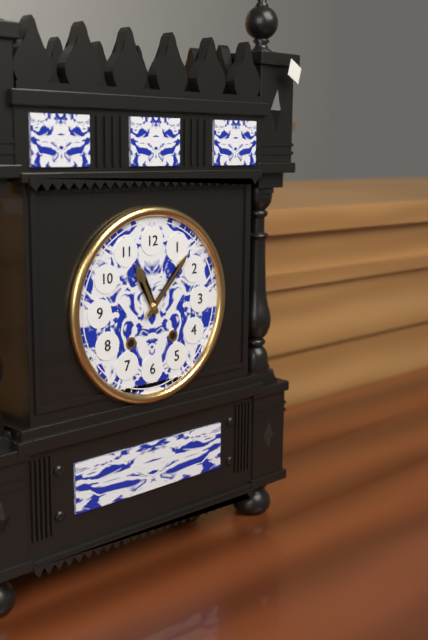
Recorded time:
11h07
